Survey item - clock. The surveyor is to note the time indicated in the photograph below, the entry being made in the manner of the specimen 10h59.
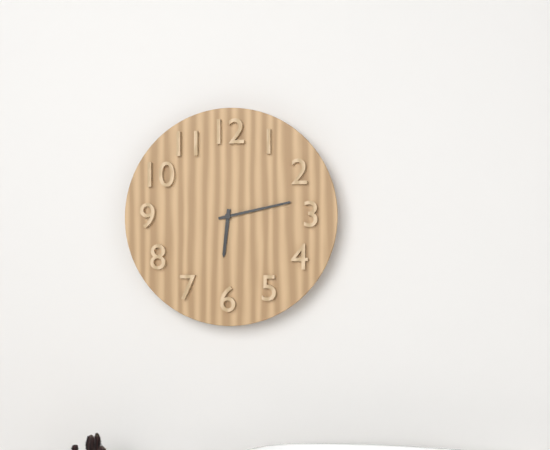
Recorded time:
6h13
